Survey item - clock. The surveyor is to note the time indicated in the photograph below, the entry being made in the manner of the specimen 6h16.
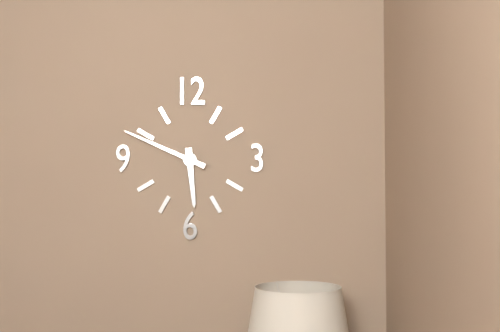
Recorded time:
5h49
